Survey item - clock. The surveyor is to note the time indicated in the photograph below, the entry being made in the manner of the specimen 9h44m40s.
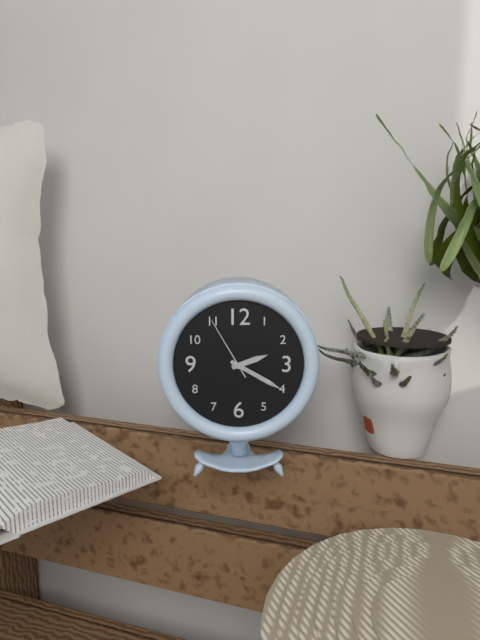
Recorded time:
2h20m55s
